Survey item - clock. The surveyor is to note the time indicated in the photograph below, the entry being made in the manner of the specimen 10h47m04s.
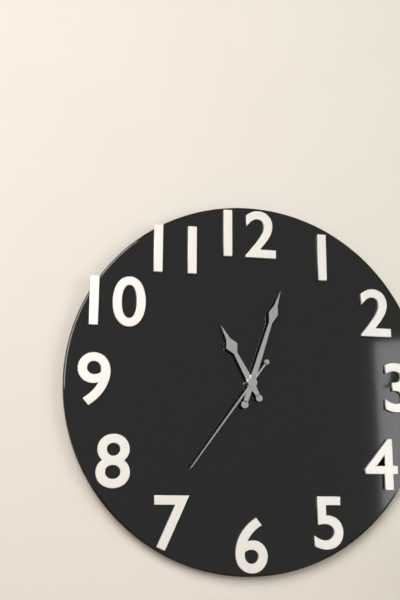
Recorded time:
11h03m36s
